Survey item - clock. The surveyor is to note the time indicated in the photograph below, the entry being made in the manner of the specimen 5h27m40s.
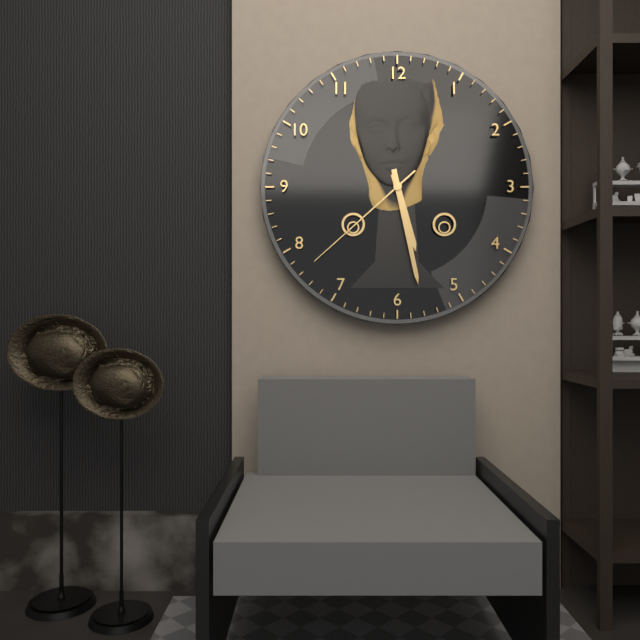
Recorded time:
5h28m38s
